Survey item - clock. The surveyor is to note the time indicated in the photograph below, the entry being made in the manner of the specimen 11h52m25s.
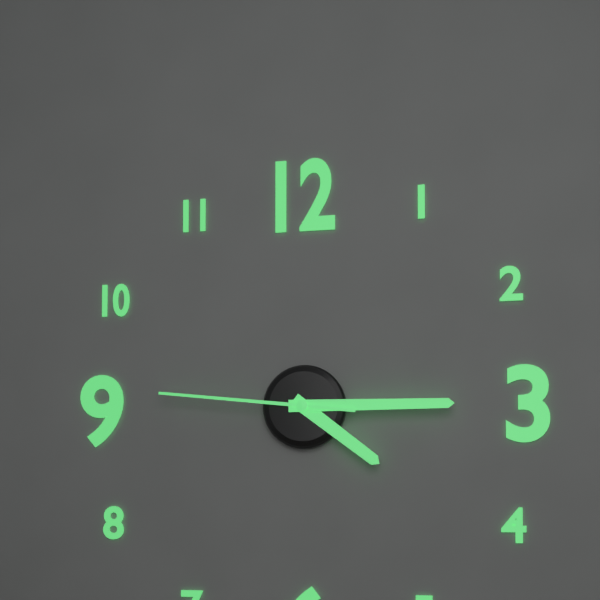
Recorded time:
4h15m46s
